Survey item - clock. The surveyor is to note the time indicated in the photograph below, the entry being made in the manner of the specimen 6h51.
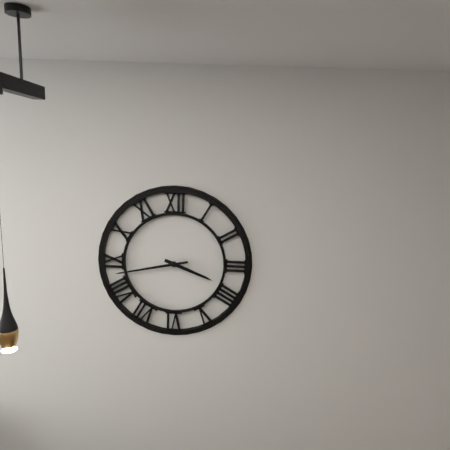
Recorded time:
3h43
